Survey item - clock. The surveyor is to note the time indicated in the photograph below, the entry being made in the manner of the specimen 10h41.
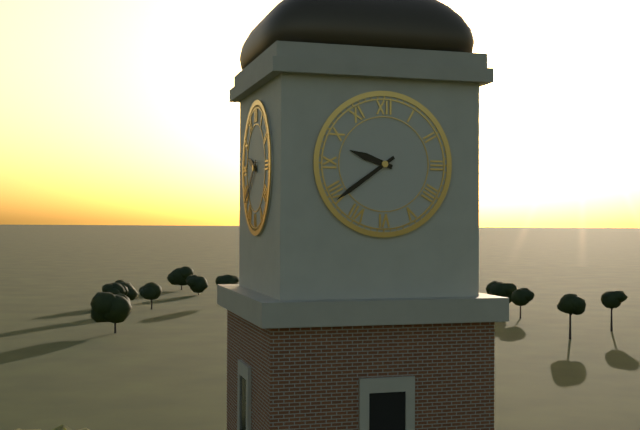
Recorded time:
9h39
